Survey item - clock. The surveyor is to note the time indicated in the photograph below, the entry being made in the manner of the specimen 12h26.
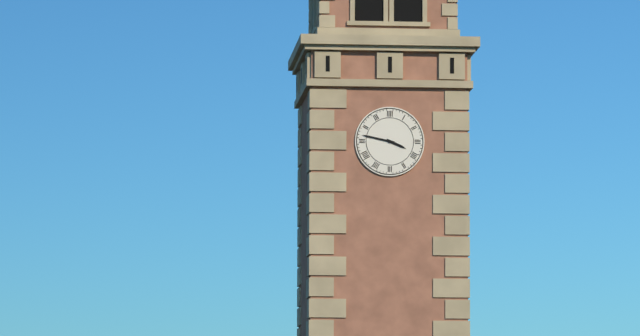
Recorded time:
3h47
